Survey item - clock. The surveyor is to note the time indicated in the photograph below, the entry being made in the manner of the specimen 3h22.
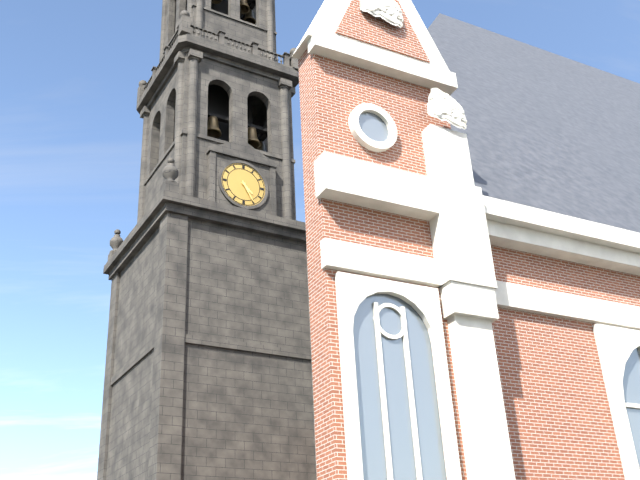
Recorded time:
4h25
